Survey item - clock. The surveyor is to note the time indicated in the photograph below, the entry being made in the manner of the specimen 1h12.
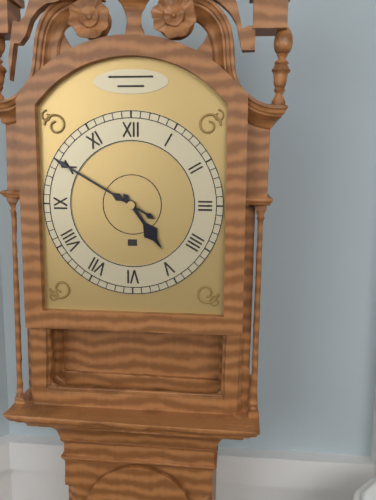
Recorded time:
4h50
